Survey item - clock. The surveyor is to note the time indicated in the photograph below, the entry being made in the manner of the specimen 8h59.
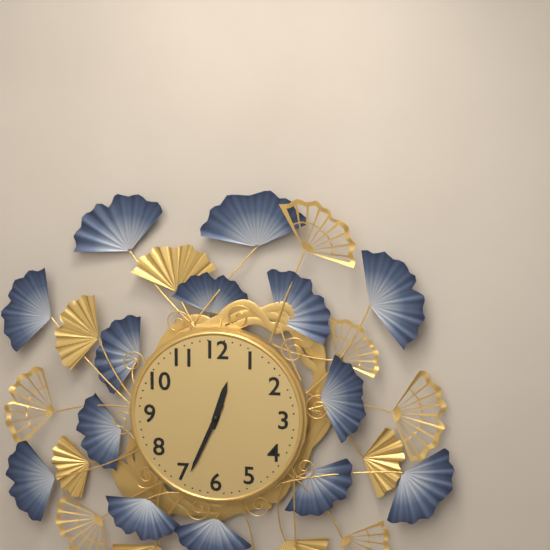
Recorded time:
12h34
